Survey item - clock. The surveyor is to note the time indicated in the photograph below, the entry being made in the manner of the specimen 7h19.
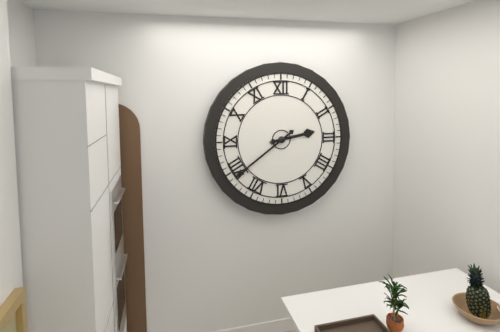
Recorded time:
2h39
